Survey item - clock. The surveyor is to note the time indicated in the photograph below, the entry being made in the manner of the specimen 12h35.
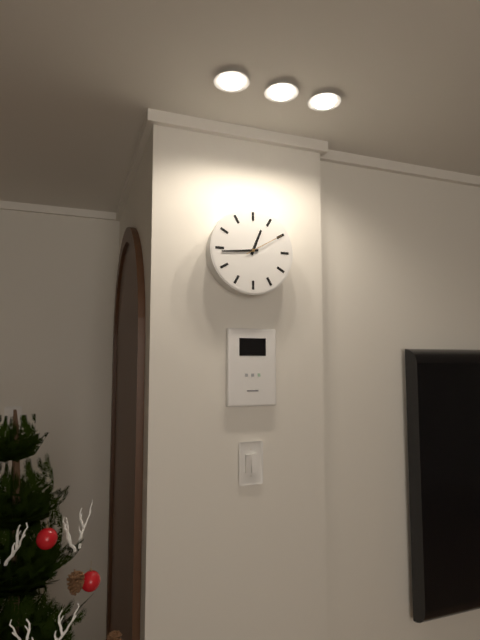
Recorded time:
12h44
